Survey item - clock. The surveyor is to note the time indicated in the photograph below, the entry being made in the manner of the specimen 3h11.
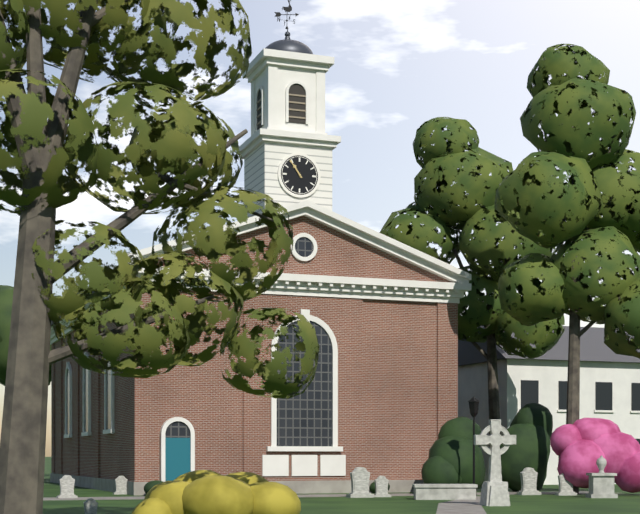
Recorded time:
10h54
